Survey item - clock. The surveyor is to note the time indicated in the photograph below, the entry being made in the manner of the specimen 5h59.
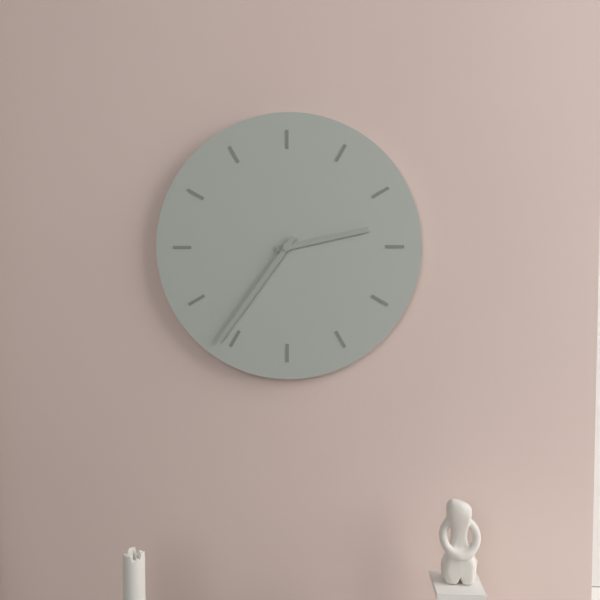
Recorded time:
2h36
